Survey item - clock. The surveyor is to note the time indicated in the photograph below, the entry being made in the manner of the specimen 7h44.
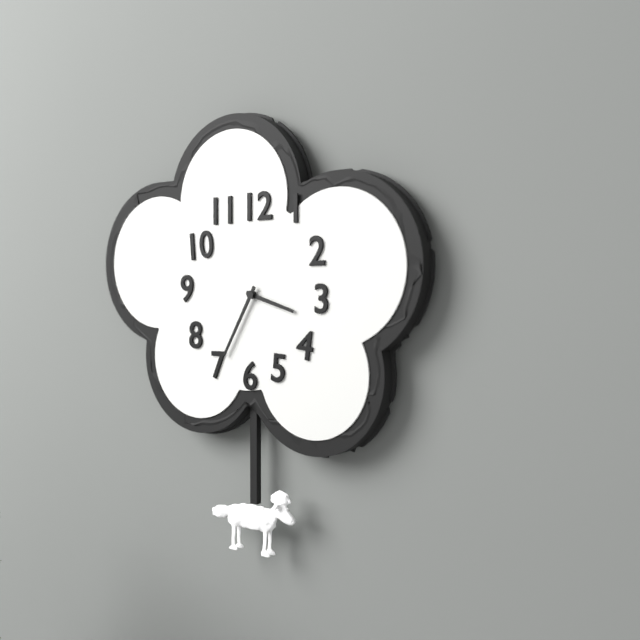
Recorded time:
3h35
